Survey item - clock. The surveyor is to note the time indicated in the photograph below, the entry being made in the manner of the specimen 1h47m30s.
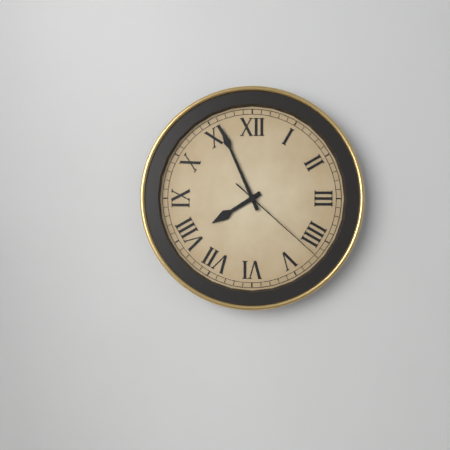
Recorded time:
7h56m22s
